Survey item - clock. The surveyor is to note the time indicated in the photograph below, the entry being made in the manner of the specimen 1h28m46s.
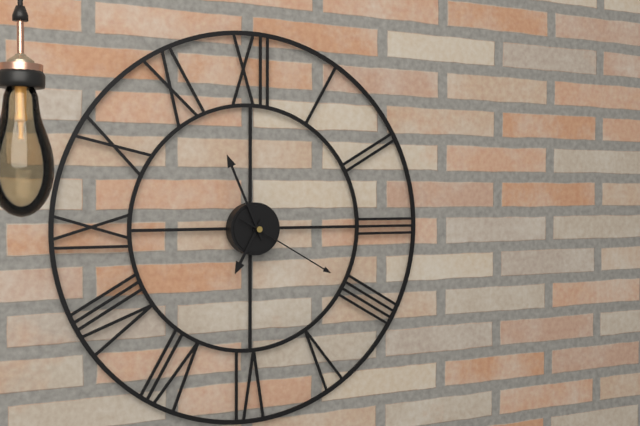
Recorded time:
6h56m20s
